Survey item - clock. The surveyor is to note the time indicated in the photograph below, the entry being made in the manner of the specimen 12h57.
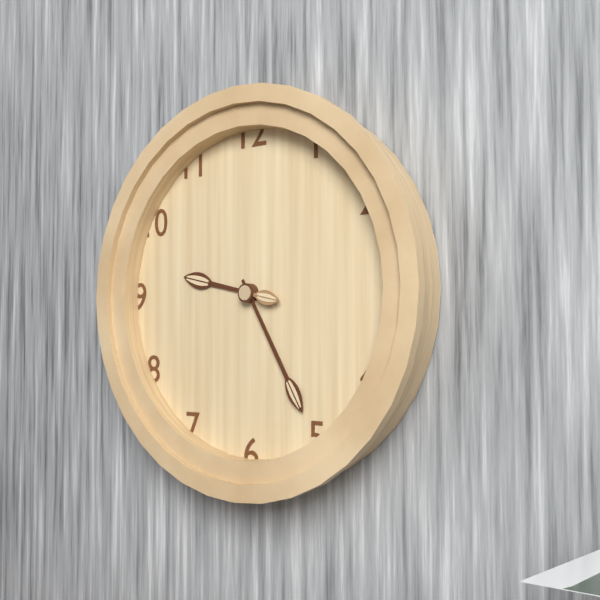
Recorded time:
9h25
